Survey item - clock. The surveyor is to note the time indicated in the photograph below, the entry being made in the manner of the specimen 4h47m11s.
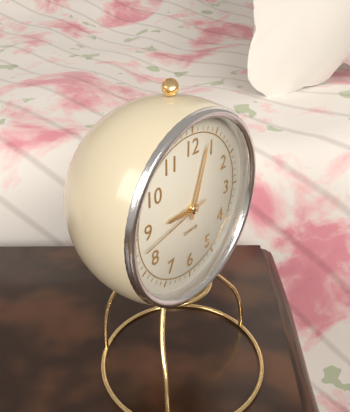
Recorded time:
9h03m43s
